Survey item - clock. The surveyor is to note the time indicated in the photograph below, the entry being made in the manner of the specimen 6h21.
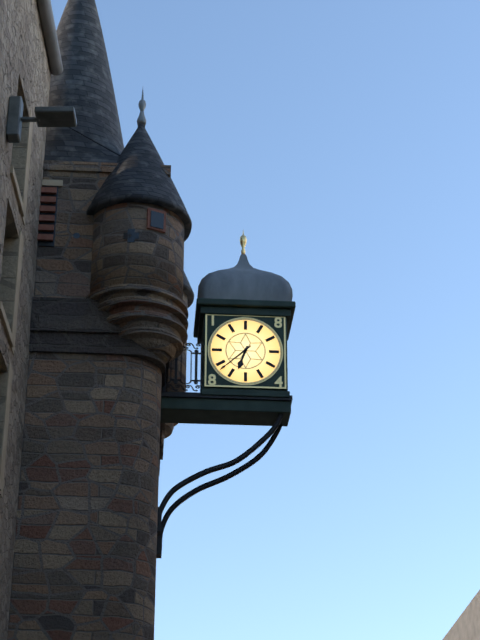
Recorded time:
6h38
